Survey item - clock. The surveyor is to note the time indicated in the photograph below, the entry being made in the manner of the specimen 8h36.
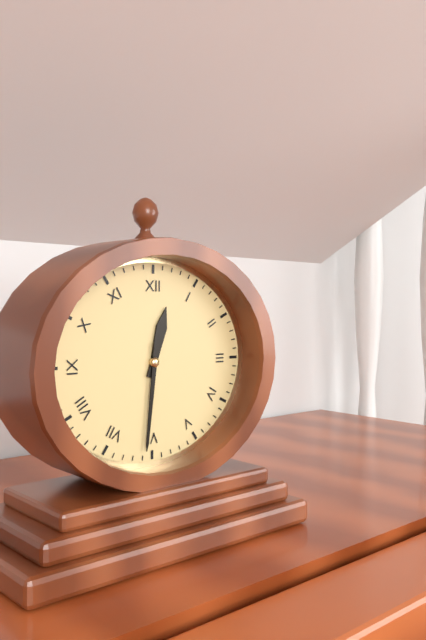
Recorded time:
12h31
